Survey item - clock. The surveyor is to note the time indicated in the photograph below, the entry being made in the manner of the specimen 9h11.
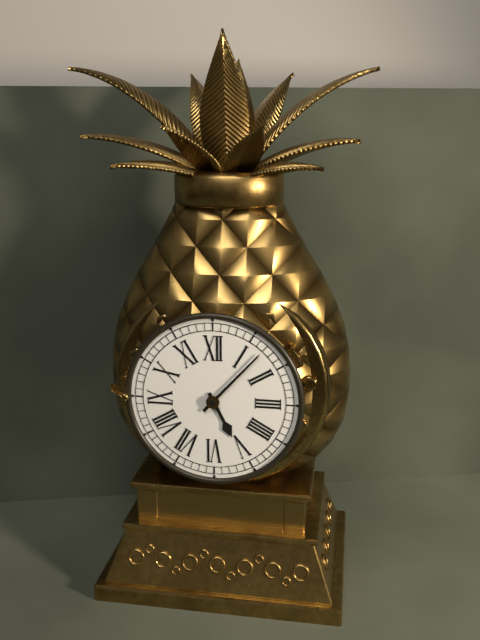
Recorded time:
5h07
